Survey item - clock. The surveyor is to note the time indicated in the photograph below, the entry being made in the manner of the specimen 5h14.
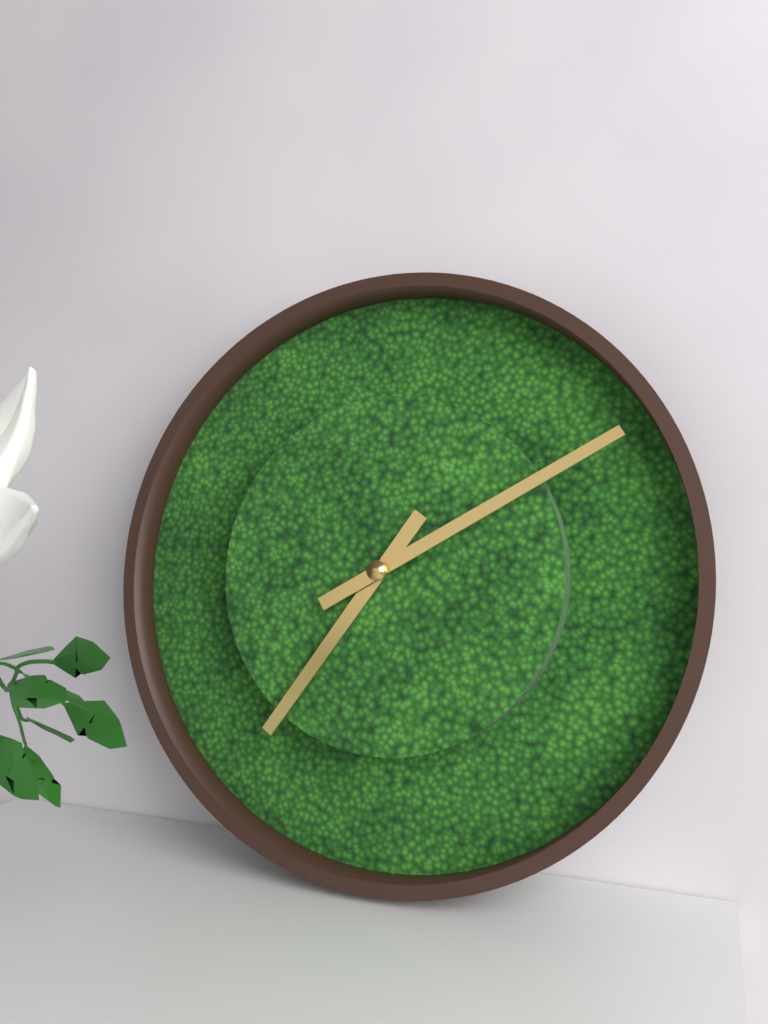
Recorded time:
7h10
